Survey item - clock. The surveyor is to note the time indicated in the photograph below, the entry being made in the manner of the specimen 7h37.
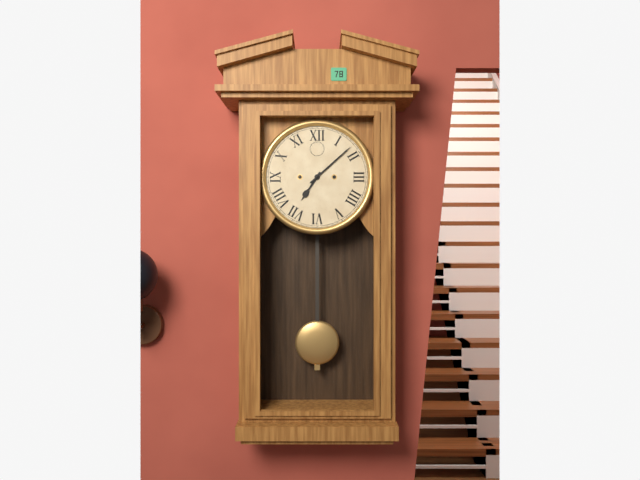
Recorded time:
7h08
